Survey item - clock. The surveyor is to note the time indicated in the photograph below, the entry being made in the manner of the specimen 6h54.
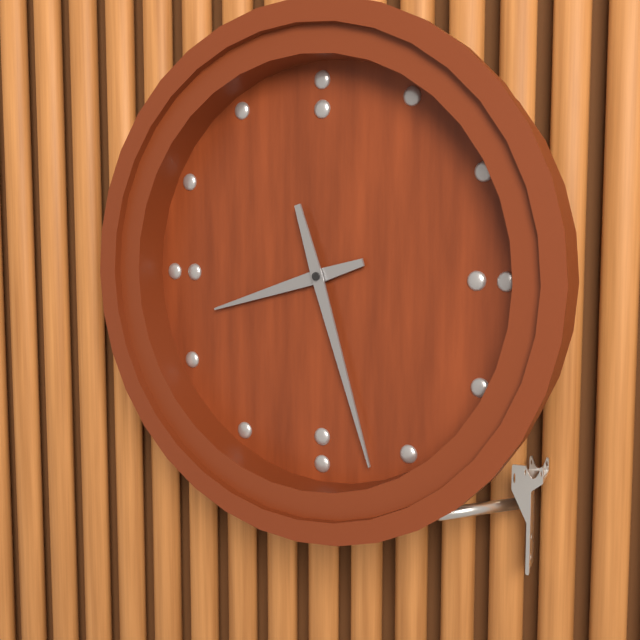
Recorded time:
8h27
